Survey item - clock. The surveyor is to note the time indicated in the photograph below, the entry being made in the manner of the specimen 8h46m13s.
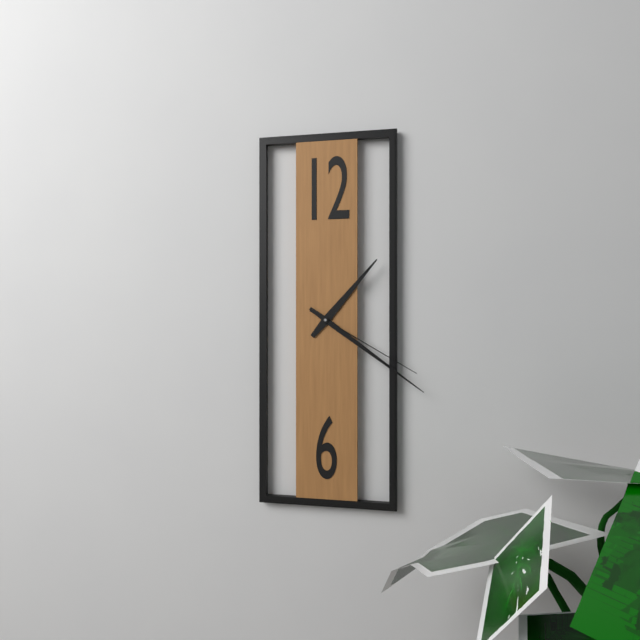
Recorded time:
1h21m20s
